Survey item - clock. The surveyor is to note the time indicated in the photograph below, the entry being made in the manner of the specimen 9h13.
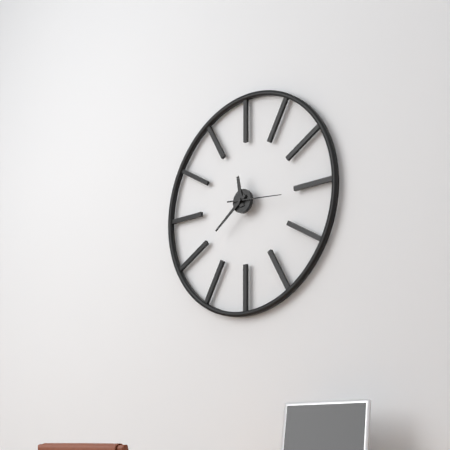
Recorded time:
11h39
